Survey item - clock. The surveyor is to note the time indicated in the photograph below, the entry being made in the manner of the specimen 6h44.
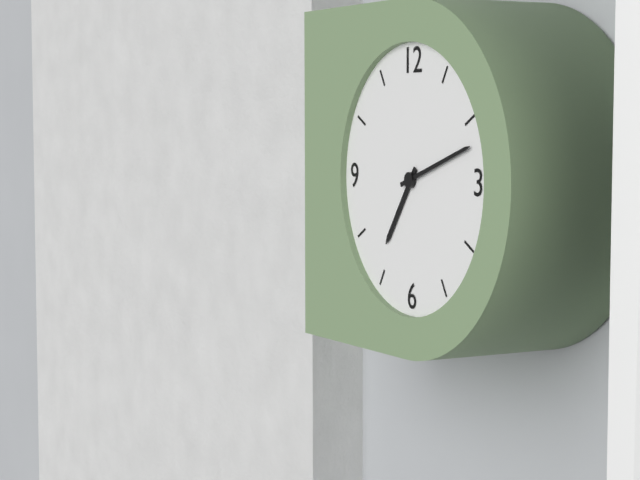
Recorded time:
7h12
